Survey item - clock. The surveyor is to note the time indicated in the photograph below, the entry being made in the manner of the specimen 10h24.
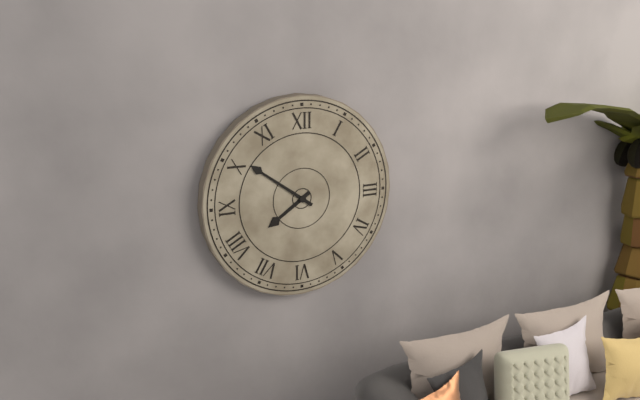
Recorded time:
7h51
